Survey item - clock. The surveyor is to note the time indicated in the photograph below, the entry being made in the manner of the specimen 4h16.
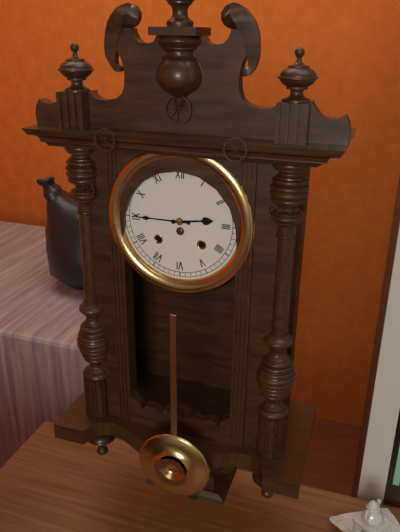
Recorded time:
2h45
